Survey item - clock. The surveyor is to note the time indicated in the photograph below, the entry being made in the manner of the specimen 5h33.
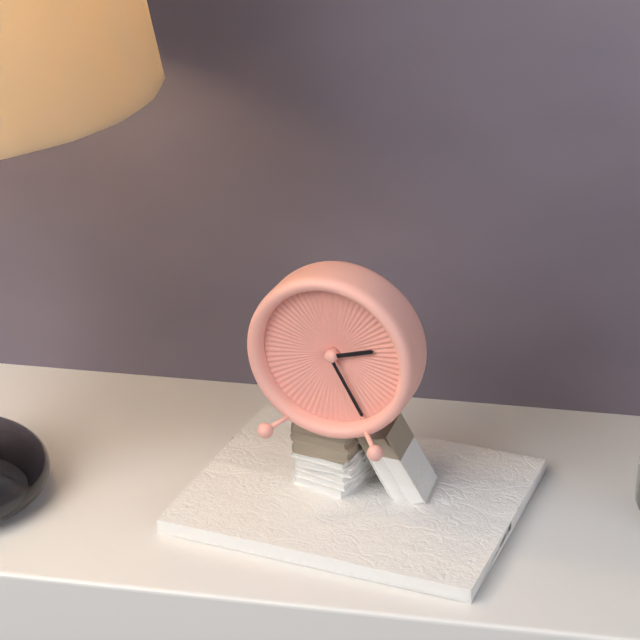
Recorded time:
2h25
